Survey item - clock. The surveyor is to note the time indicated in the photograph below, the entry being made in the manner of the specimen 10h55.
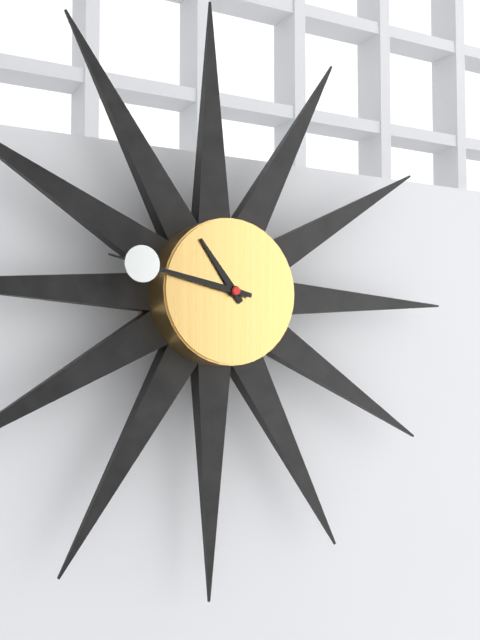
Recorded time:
10h47
